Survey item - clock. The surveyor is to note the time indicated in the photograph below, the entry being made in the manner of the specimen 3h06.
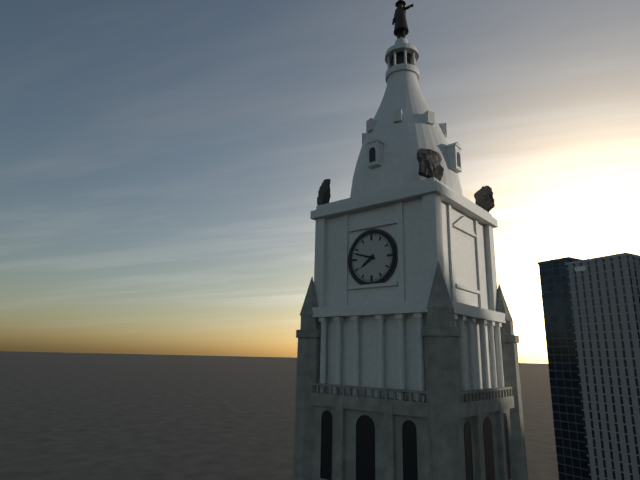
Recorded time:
7h48
